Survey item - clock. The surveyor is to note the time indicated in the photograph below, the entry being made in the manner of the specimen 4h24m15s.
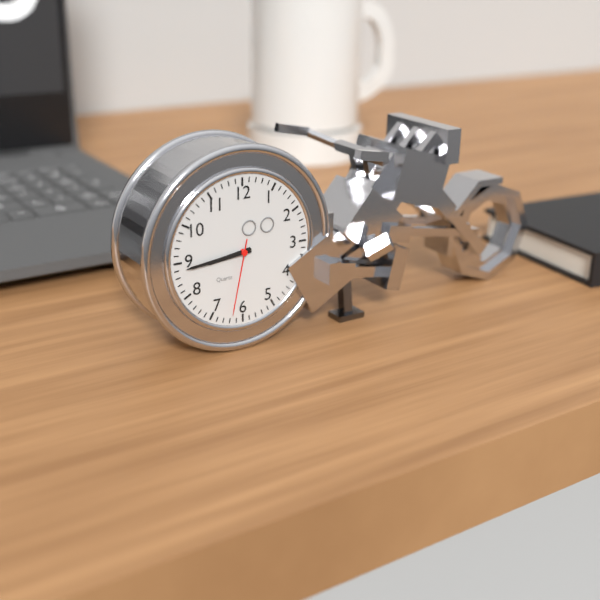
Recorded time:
8h44m32s
